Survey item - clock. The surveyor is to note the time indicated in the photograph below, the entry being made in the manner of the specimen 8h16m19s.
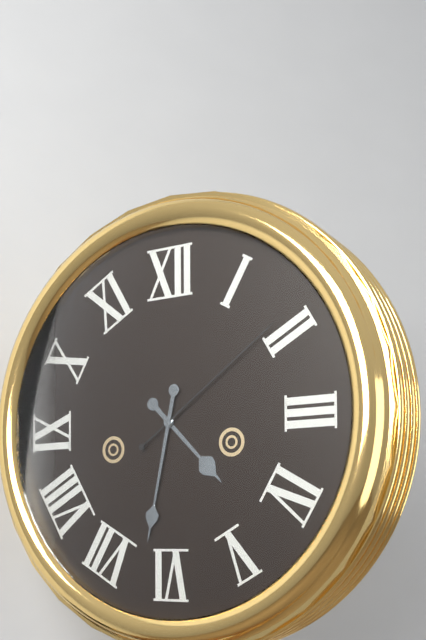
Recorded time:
4h32m09s
